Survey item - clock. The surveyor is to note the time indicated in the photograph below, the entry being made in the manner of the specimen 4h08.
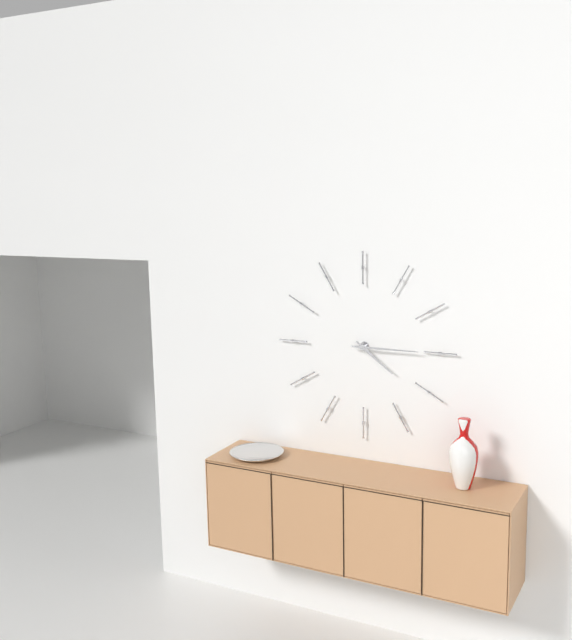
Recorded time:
4h15
